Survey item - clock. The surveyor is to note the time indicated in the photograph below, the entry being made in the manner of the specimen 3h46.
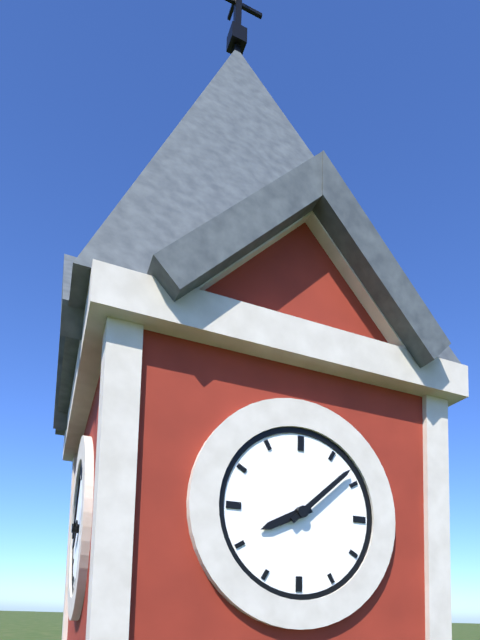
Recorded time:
8h08
